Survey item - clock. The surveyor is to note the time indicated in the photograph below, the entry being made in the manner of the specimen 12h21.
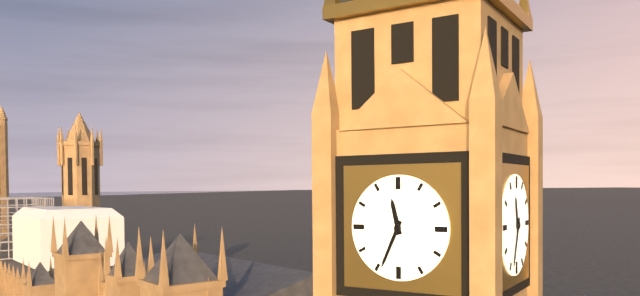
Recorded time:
11h34
